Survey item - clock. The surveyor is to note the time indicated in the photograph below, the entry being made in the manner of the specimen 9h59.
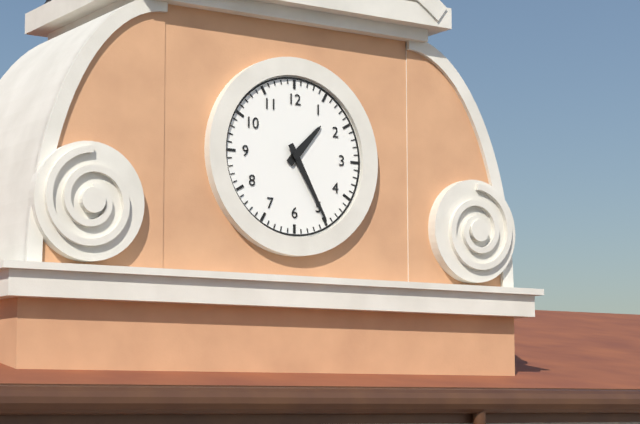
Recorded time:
1h25
